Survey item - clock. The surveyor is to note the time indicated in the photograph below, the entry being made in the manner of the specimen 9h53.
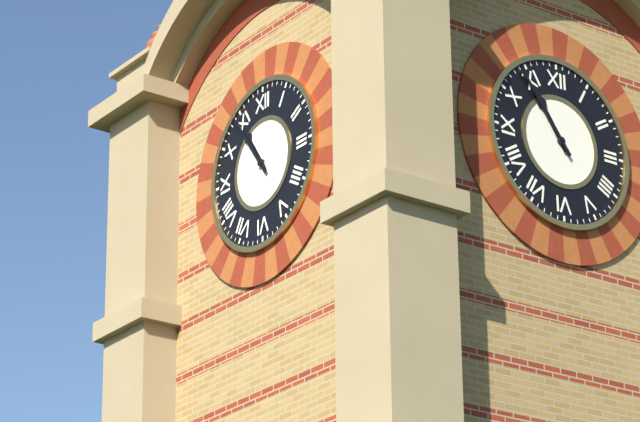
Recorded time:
10h54
